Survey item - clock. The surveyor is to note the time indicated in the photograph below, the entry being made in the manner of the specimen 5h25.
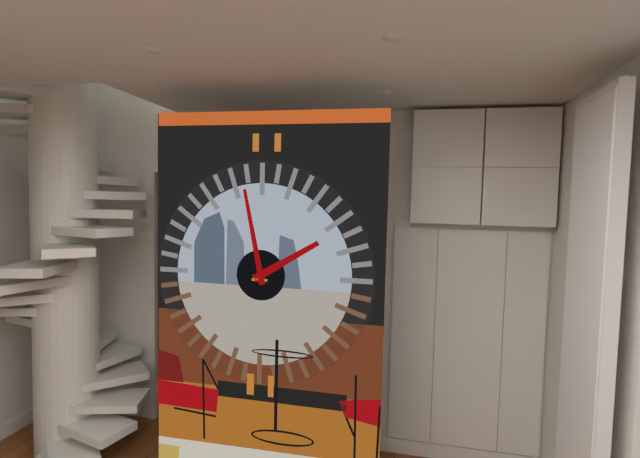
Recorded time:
1h58
